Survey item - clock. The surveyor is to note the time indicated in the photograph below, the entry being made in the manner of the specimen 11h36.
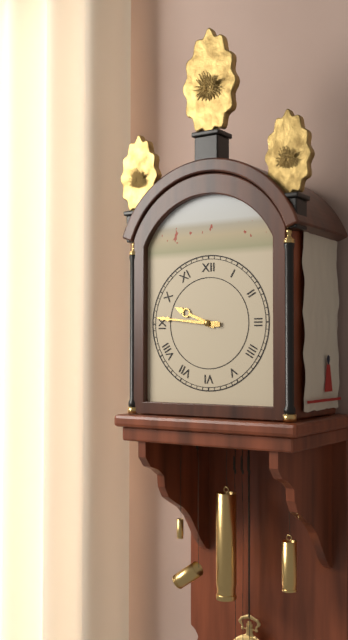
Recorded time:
9h46
